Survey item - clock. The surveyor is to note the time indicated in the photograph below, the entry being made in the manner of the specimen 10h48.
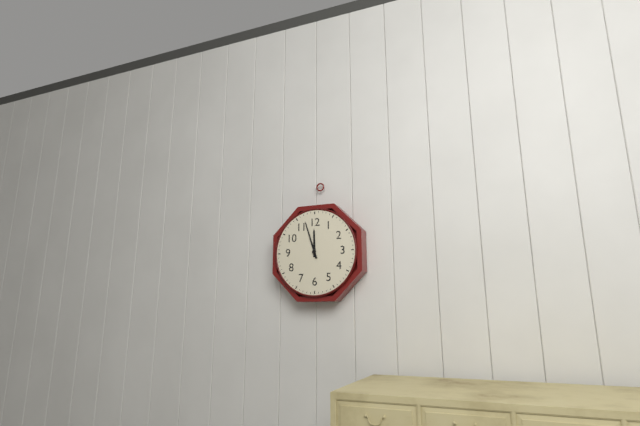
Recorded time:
11h57
